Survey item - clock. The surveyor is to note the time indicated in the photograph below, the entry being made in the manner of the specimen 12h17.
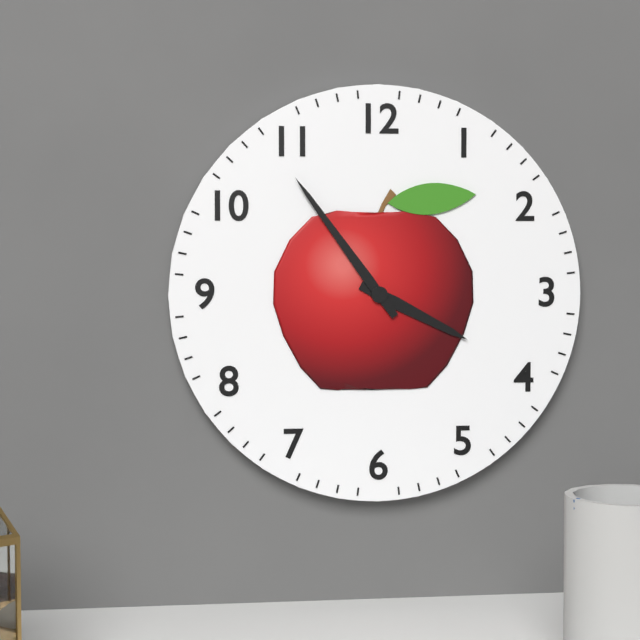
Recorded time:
3h54
